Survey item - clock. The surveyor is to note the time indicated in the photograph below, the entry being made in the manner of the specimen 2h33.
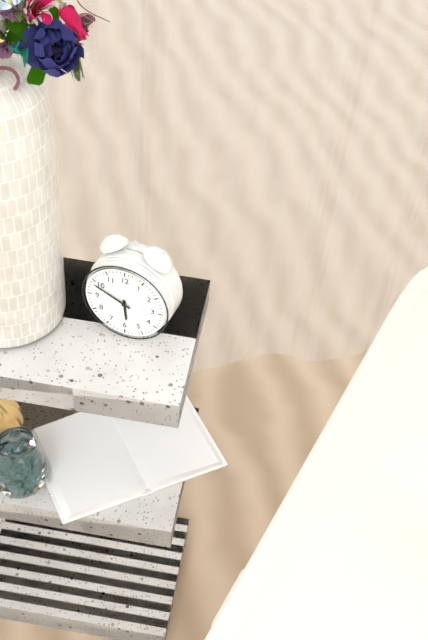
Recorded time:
5h49
